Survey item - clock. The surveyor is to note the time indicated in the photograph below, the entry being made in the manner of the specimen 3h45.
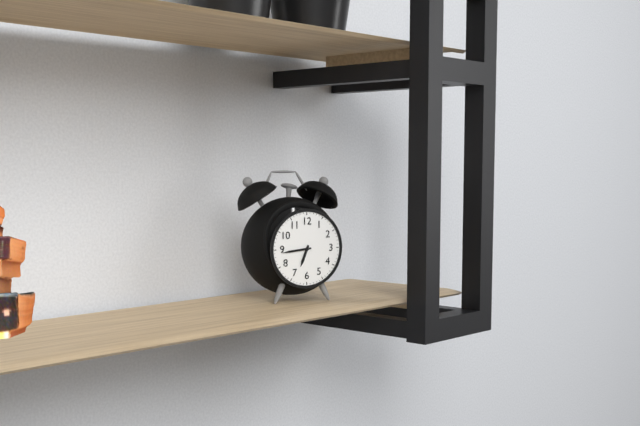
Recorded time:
6h44
